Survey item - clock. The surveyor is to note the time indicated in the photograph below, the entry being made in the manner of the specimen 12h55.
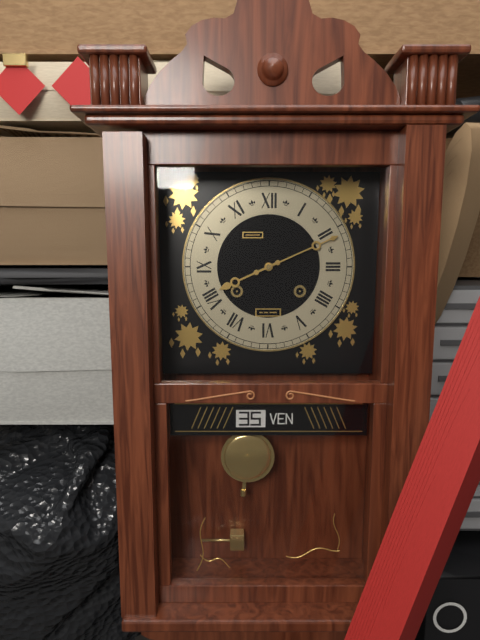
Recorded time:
8h11
